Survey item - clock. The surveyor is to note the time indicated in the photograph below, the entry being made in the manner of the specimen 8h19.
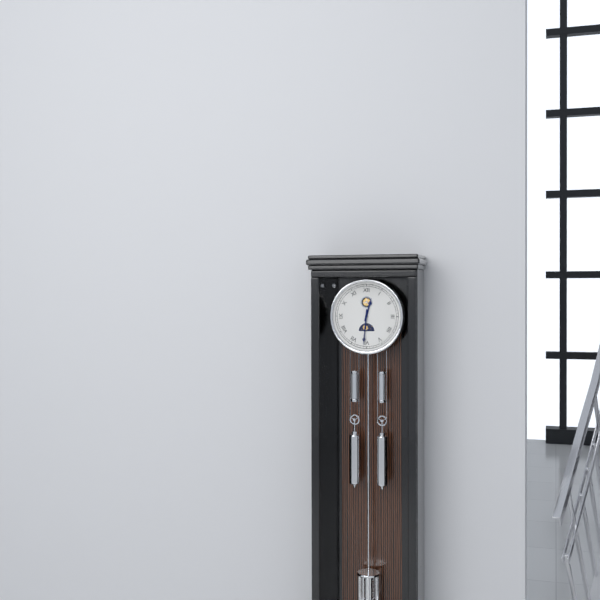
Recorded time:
12h31
